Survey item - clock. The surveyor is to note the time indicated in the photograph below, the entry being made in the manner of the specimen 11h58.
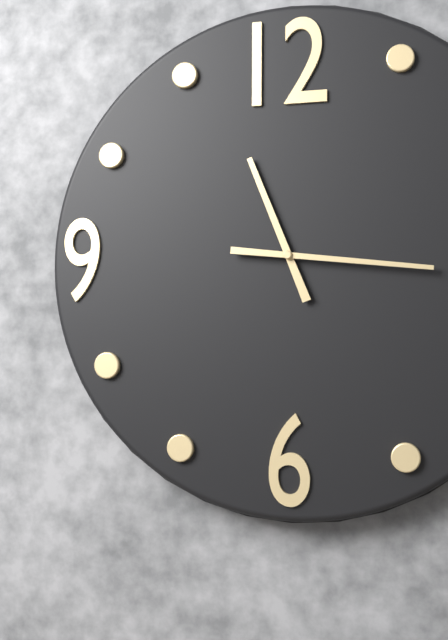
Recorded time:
11h16
